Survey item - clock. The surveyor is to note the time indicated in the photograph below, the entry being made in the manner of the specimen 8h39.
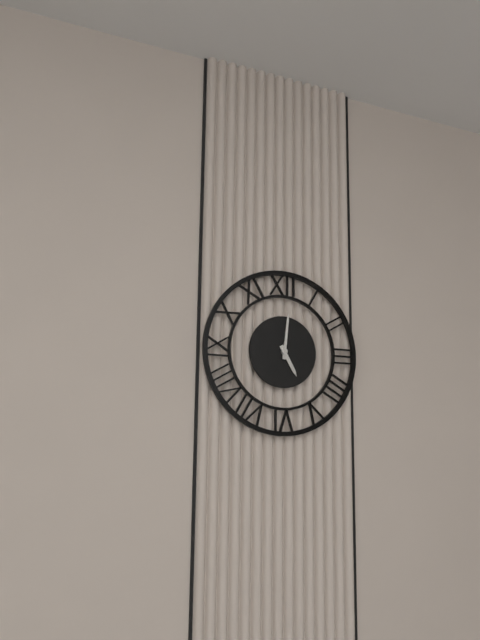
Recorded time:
5h01
